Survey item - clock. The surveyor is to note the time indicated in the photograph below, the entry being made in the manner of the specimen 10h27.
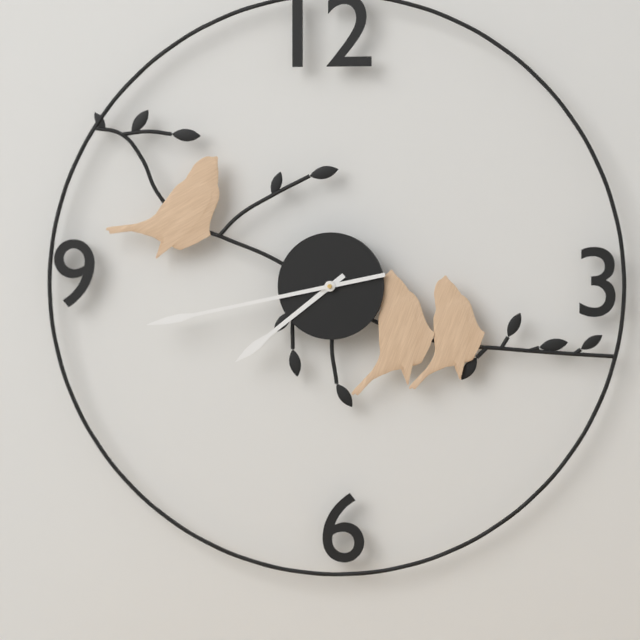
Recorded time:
7h43
